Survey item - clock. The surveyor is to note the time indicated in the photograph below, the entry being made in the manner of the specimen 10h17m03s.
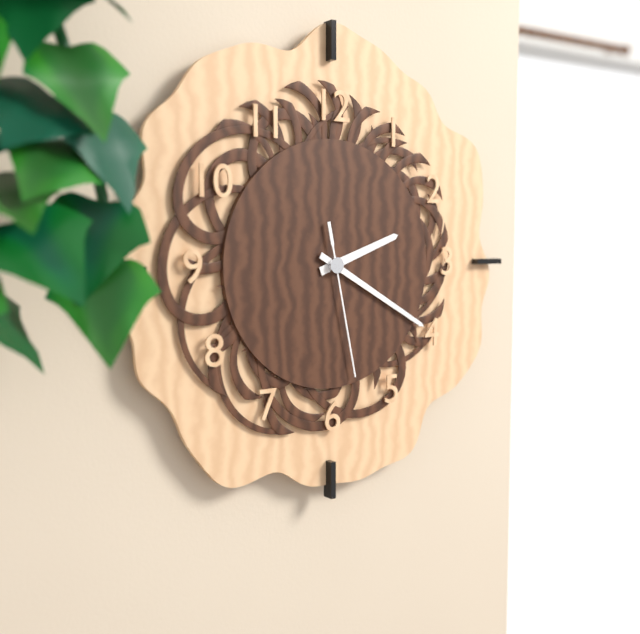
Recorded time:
2h20m28s
